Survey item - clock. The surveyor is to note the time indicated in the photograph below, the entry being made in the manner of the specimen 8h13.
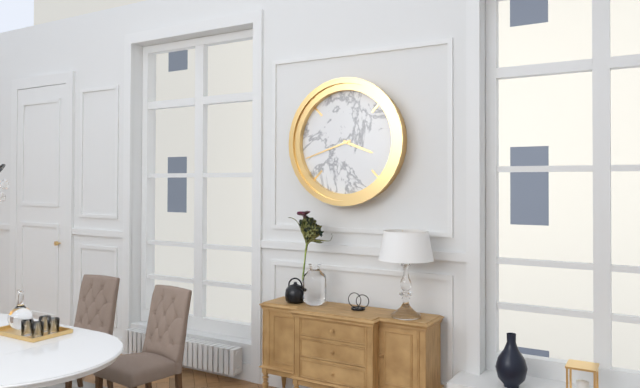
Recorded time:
3h42
